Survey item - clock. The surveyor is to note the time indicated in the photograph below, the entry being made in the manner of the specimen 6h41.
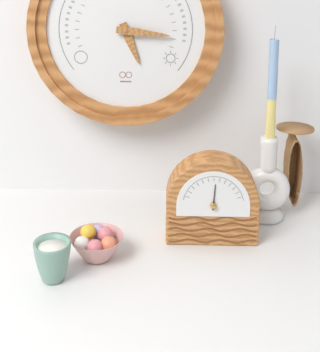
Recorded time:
5h16
